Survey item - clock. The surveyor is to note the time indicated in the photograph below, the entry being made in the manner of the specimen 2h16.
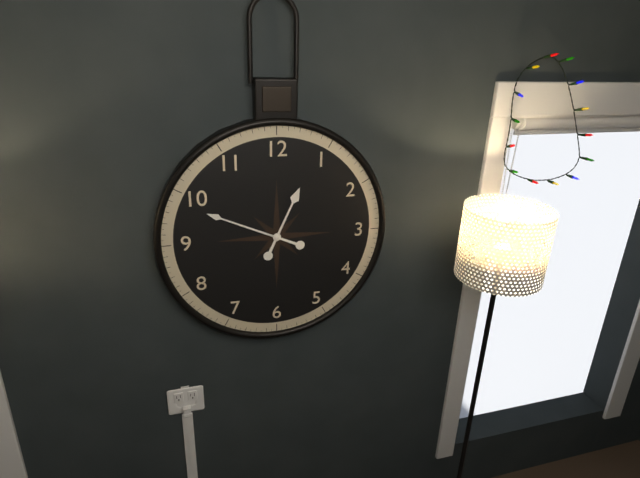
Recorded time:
12h49
